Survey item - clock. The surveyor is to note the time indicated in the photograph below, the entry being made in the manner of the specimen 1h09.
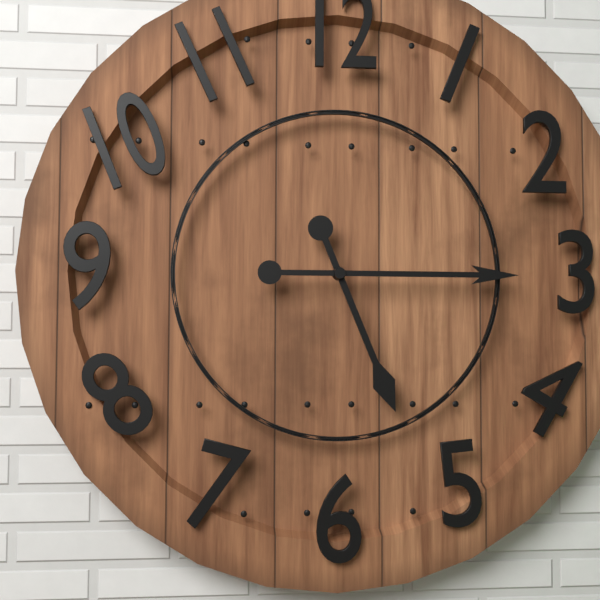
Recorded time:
5h15
